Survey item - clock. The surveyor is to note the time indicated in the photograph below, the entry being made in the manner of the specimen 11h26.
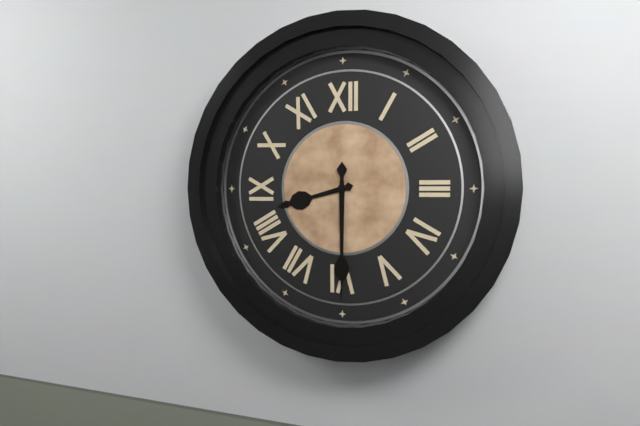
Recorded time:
8h30
